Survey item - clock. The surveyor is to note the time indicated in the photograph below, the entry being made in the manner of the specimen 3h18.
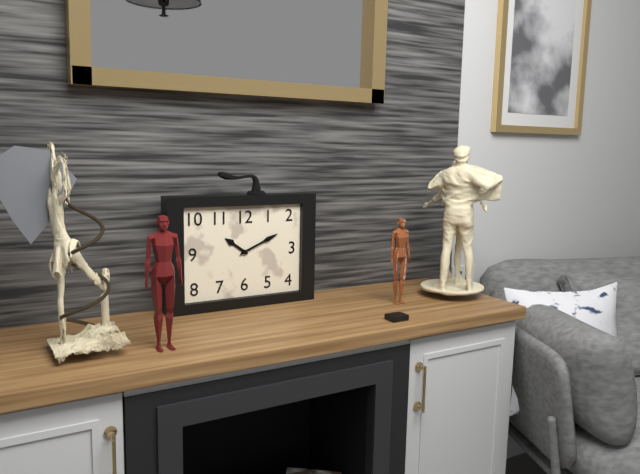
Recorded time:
10h11
